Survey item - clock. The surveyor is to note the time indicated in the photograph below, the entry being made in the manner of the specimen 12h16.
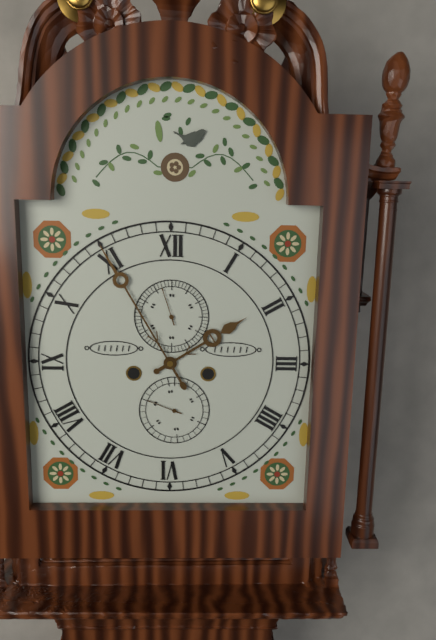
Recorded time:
1h55
